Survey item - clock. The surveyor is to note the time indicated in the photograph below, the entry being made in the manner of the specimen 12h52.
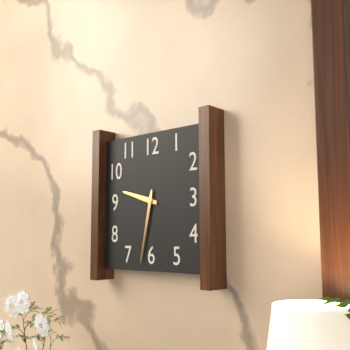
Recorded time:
9h32
